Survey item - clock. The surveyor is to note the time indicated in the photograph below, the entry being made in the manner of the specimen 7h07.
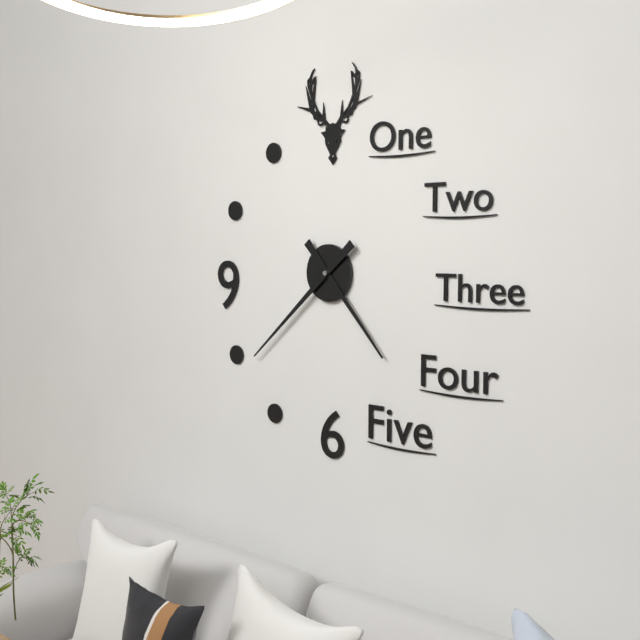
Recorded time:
4h38
